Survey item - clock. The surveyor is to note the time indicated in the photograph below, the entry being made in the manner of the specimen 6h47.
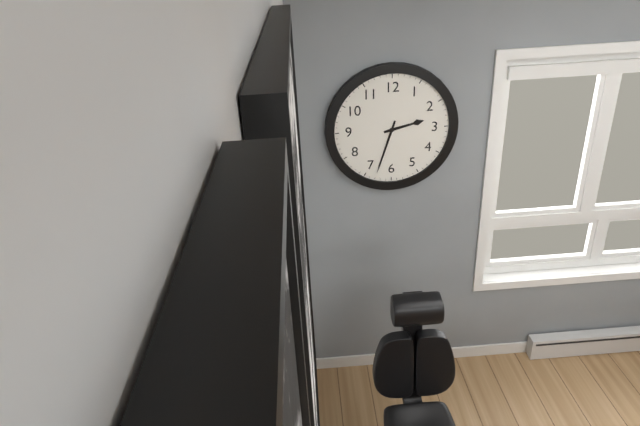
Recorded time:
2h33
